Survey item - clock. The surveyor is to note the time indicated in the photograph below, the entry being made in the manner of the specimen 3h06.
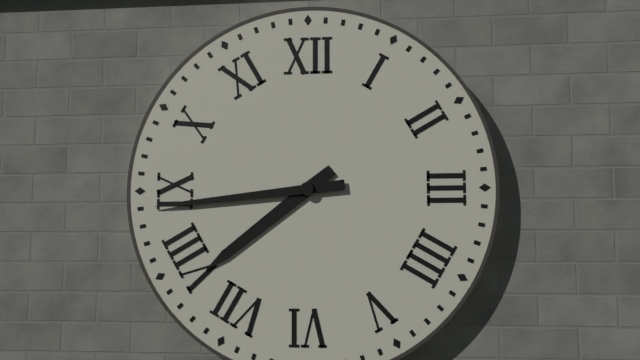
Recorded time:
7h44
